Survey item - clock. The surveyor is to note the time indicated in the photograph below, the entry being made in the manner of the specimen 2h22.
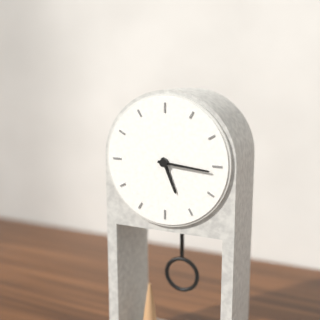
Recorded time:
5h16
